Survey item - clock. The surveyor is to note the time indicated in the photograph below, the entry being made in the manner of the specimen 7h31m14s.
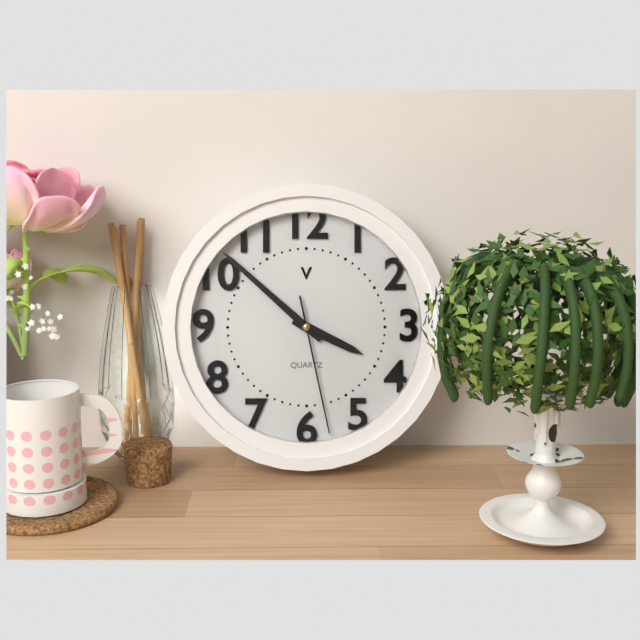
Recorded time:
3h52m28s
